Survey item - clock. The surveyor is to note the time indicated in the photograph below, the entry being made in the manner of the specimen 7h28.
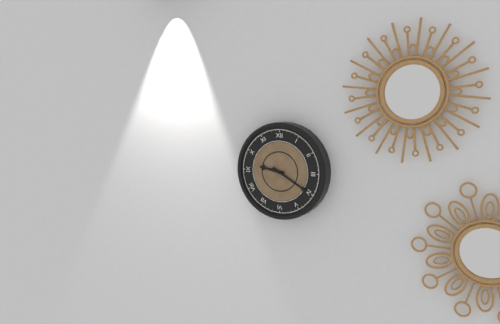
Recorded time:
9h20
